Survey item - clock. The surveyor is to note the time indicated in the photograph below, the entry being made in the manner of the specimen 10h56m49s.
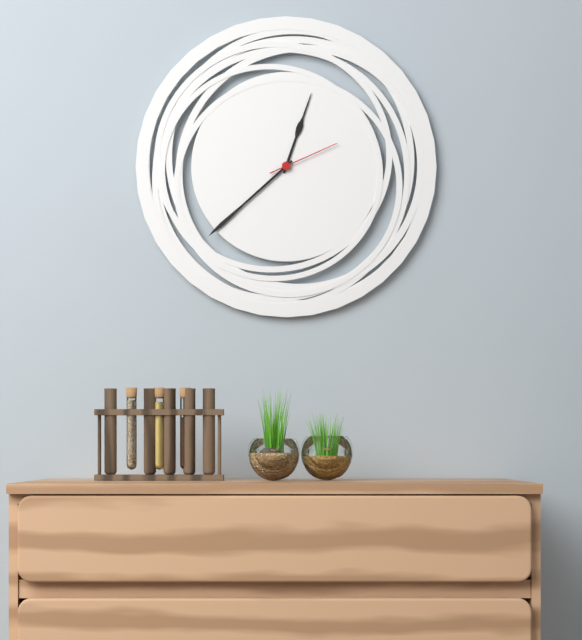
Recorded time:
12h38m11s
